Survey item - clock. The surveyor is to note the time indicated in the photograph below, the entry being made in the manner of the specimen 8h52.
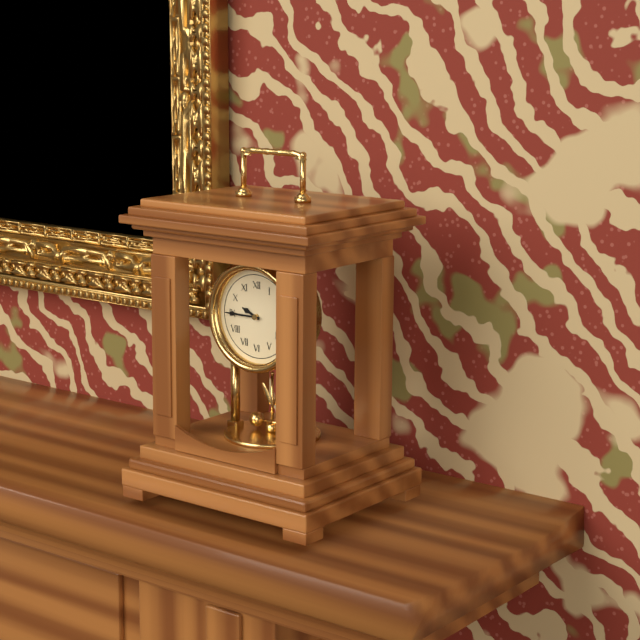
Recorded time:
9h45
